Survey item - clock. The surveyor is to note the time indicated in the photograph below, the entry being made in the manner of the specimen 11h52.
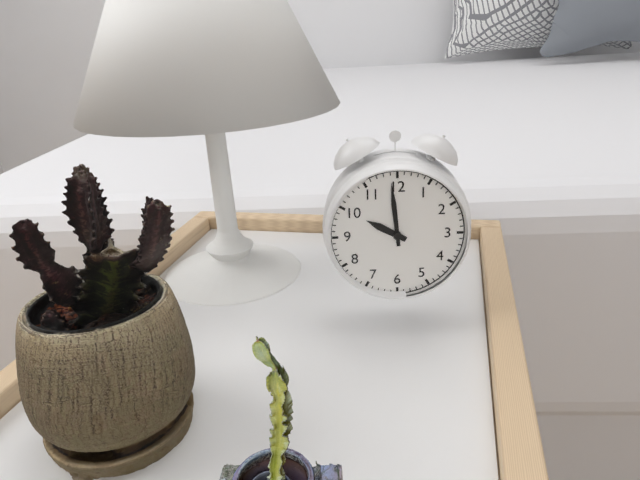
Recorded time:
9h59
